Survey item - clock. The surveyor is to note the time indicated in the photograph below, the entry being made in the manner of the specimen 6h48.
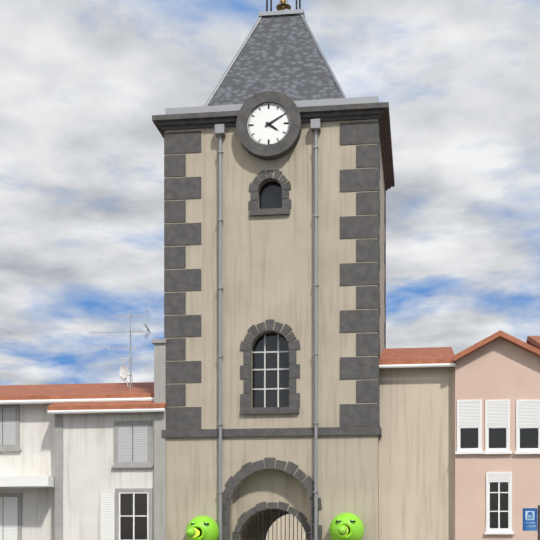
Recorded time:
4h10
